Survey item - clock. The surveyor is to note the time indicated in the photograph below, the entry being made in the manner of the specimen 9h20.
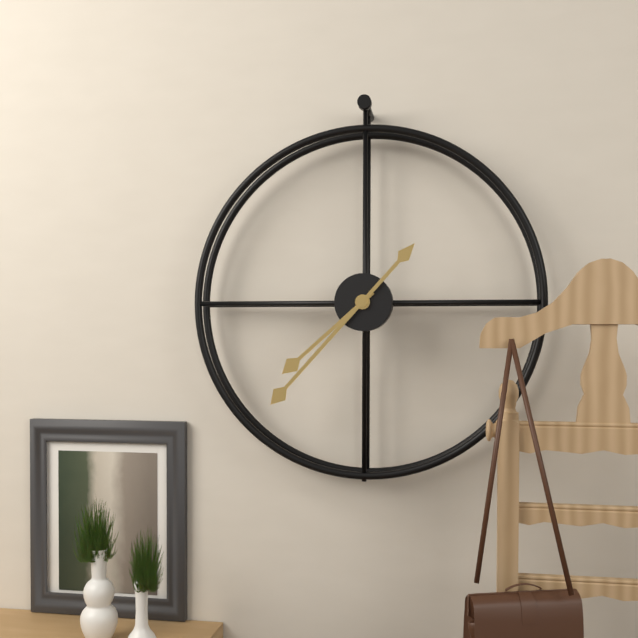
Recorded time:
7h37
